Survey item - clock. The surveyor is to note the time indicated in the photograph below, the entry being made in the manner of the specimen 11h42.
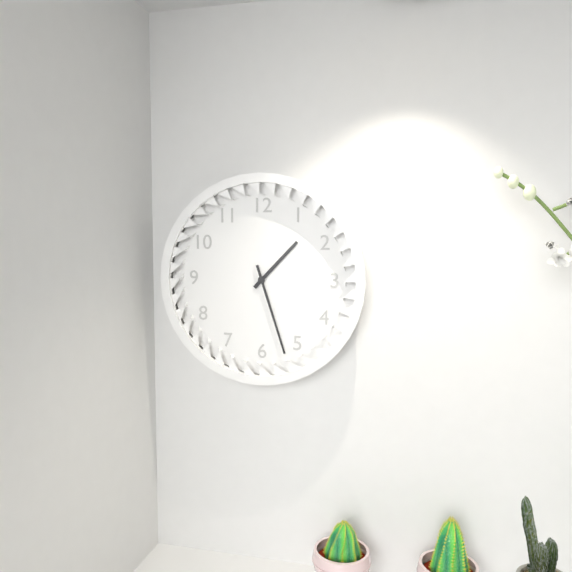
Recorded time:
1h27
